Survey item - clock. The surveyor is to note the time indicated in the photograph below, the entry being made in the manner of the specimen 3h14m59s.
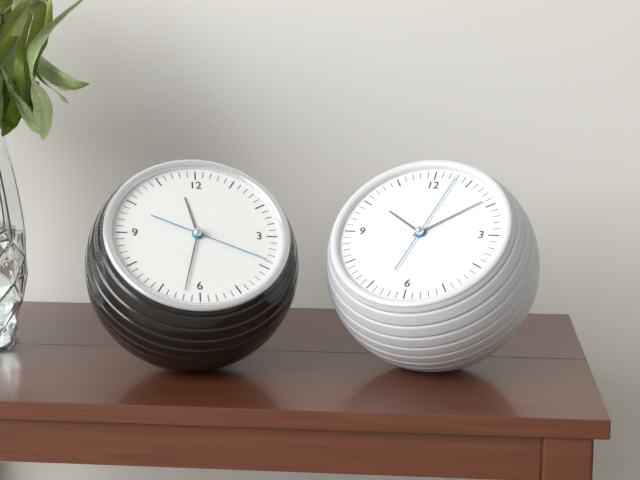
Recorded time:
11h32m19s
